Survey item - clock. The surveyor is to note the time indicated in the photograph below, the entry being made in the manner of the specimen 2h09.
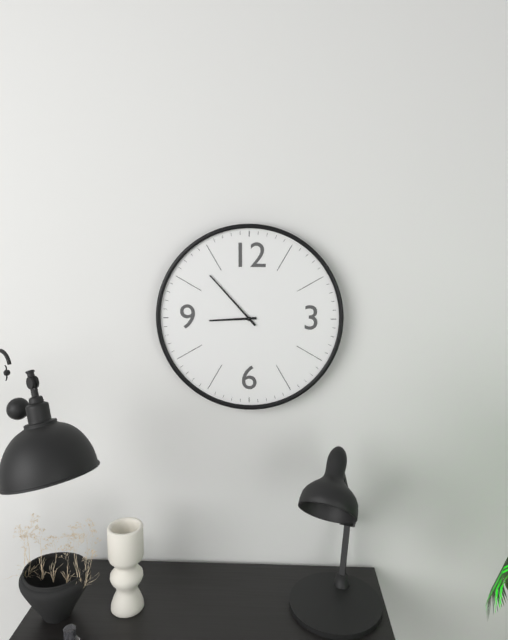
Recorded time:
8h53
